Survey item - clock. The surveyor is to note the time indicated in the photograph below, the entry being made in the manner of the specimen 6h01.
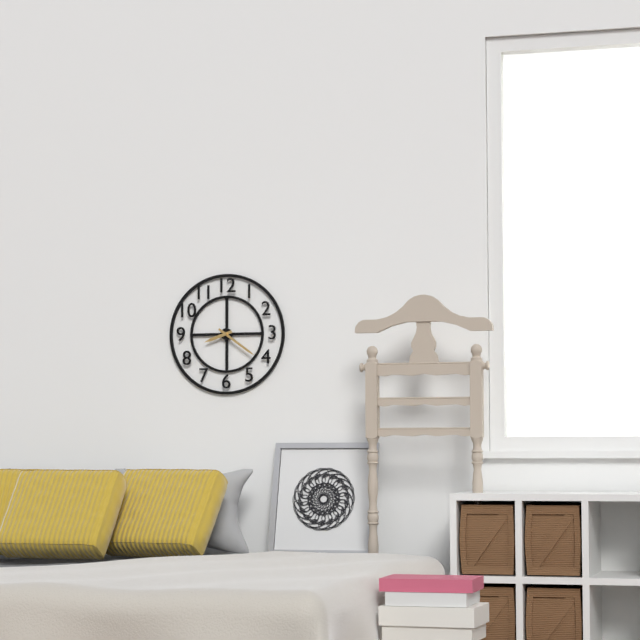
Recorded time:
8h21
